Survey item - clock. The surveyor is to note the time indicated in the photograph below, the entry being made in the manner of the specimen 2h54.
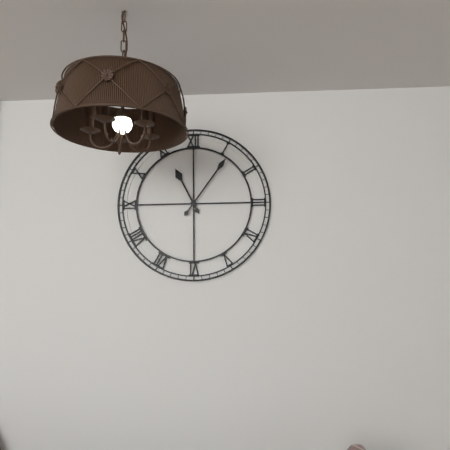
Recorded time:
11h06
